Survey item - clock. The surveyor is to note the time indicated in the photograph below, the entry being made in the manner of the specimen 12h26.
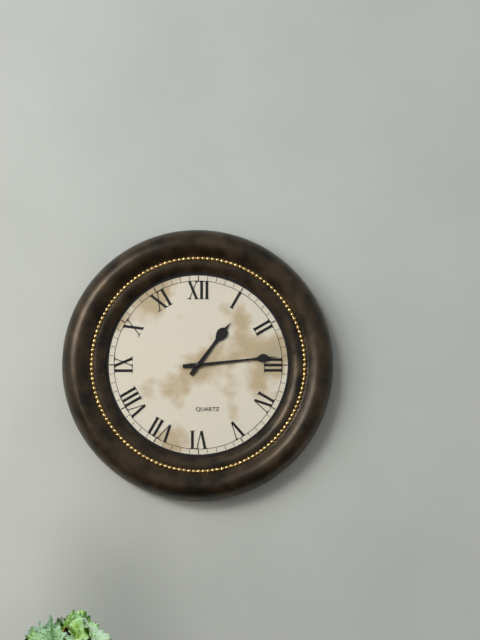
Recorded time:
1h14
